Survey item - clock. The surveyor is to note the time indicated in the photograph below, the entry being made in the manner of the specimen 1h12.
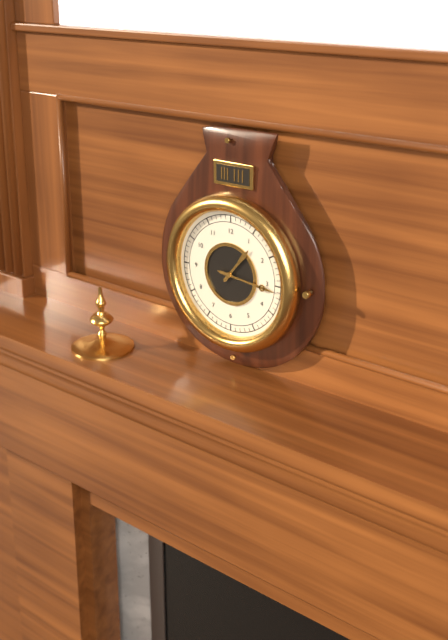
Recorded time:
1h16
